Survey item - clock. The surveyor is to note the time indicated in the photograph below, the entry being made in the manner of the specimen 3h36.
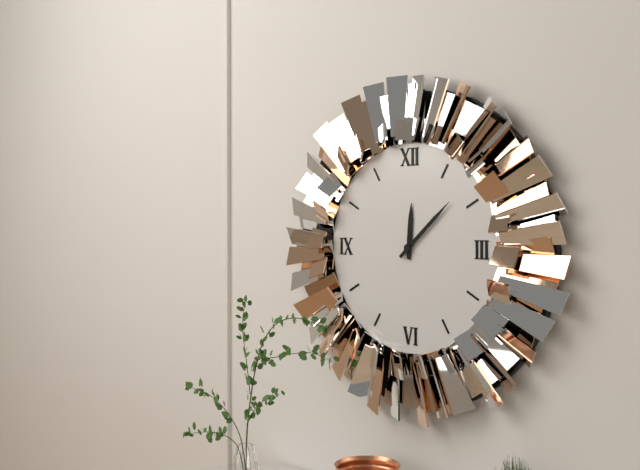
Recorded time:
12h08
